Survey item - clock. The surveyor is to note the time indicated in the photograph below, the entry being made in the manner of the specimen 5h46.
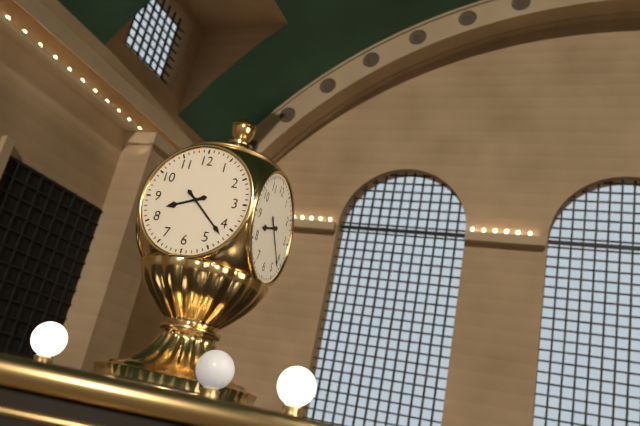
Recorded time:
8h22
